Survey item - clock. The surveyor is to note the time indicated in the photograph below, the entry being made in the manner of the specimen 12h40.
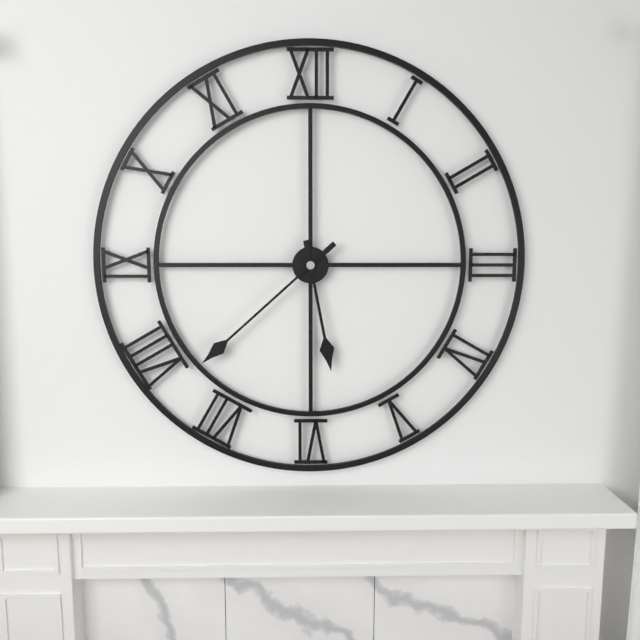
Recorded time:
5h38
